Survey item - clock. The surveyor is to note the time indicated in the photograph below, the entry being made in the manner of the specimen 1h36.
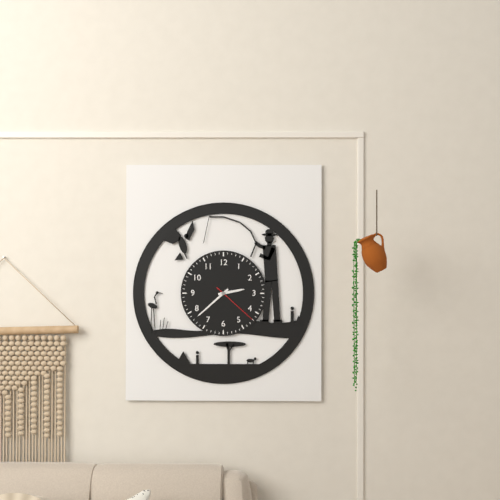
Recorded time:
2h38
